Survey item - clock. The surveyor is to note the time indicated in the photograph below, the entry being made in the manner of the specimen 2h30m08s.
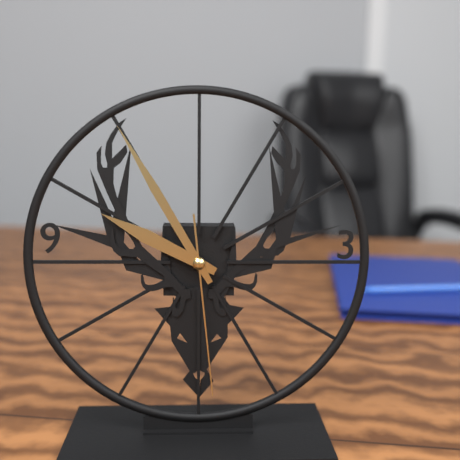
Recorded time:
9h55m29s
